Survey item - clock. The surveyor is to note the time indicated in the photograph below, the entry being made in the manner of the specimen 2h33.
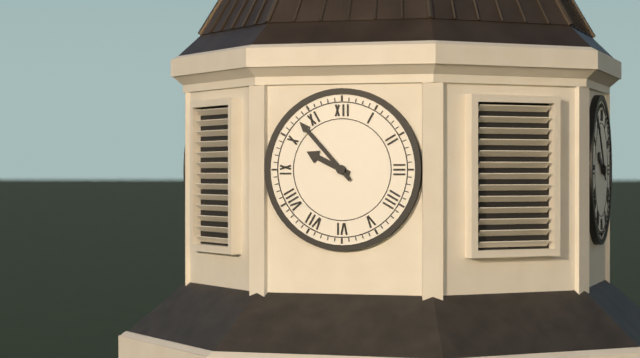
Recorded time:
9h53
